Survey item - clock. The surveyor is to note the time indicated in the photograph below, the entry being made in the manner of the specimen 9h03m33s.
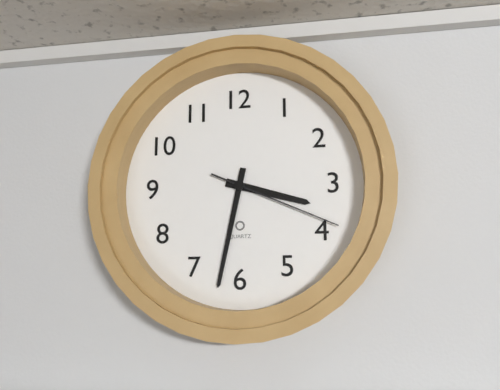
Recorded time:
3h32m19s
